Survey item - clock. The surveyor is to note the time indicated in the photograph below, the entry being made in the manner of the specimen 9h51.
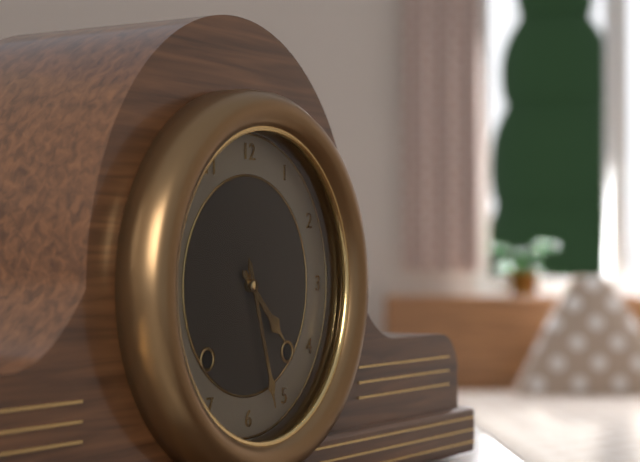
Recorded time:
4h27
